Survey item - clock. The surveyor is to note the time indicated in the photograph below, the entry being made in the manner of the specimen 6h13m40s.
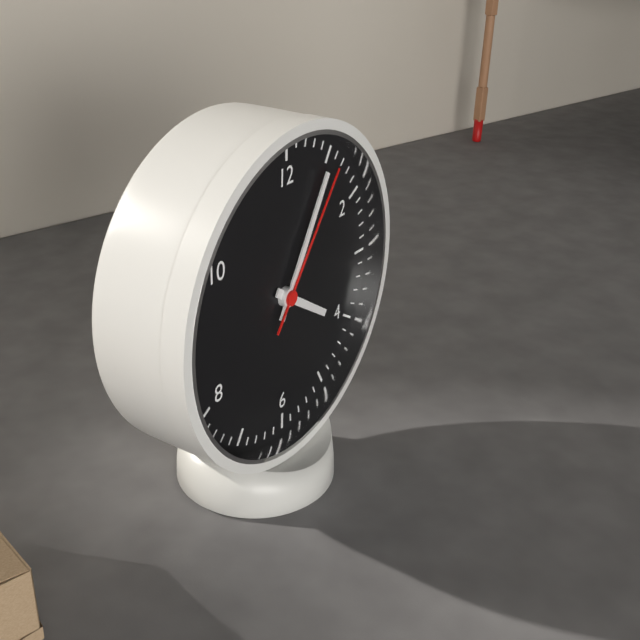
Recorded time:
4h05m06s
